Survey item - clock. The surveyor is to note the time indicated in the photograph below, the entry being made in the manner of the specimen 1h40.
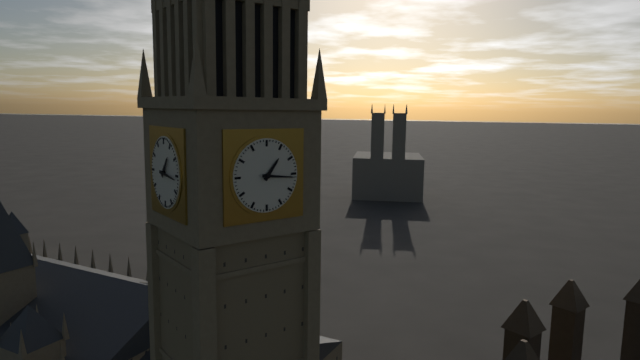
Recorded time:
1h16
